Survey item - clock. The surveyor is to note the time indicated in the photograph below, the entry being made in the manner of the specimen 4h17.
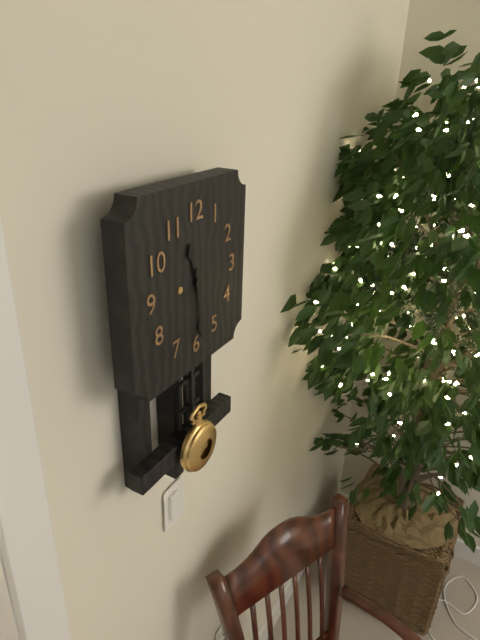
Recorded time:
11h29
